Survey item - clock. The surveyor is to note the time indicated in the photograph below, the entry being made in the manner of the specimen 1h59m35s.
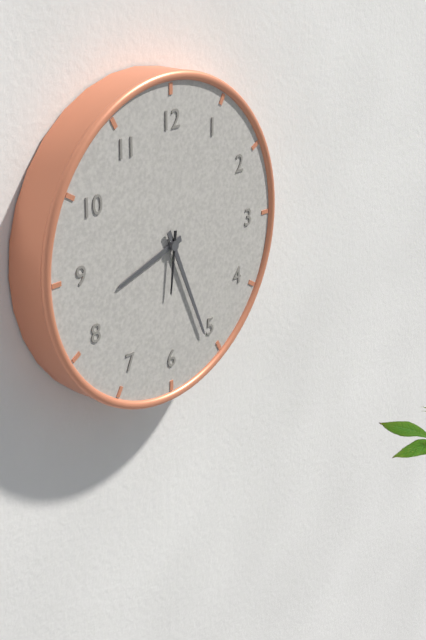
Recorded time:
8h26m31s
